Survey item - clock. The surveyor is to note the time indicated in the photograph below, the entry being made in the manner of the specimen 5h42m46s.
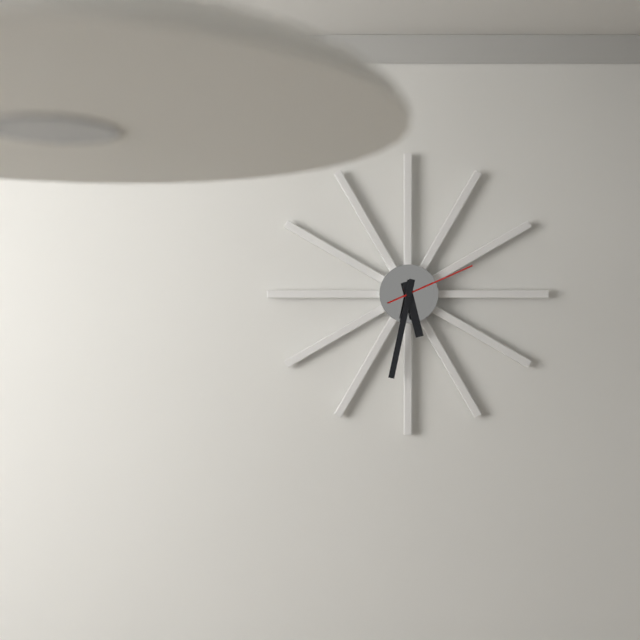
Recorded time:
5h32m11s
